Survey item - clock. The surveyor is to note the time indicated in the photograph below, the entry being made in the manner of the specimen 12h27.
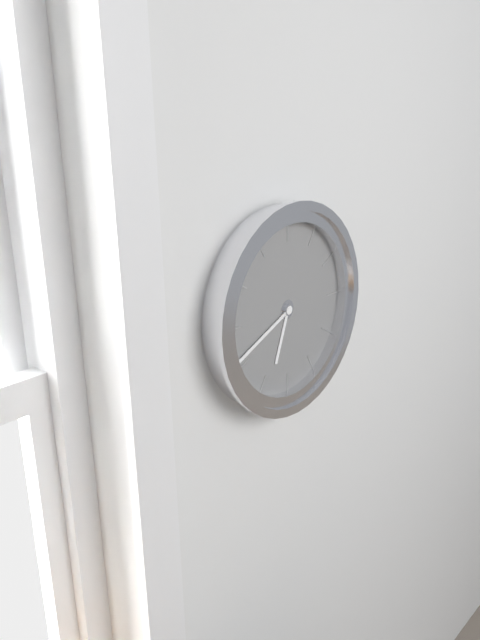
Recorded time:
6h41
